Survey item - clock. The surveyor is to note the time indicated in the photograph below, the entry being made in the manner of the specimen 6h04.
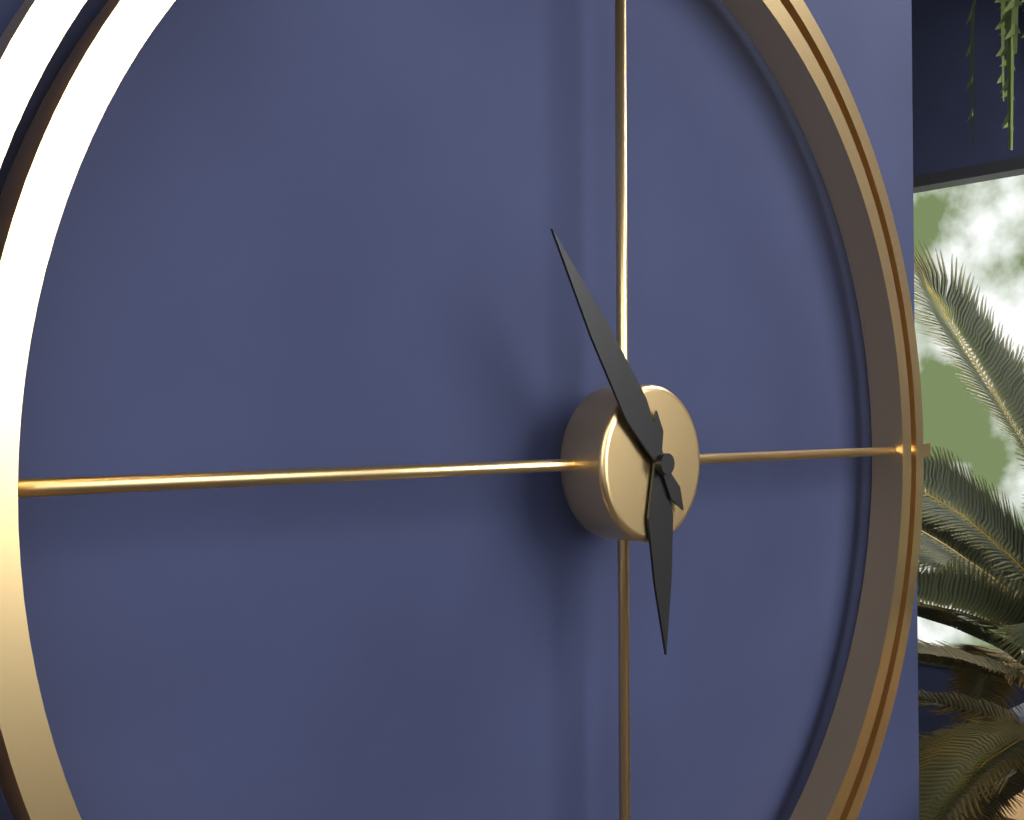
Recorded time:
5h54
